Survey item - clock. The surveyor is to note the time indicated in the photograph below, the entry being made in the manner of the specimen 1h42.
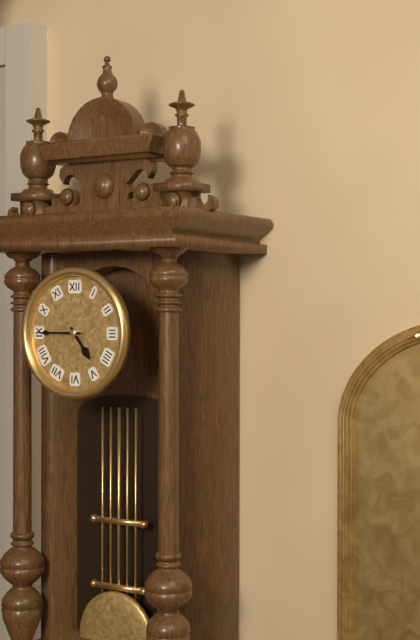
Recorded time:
4h45
